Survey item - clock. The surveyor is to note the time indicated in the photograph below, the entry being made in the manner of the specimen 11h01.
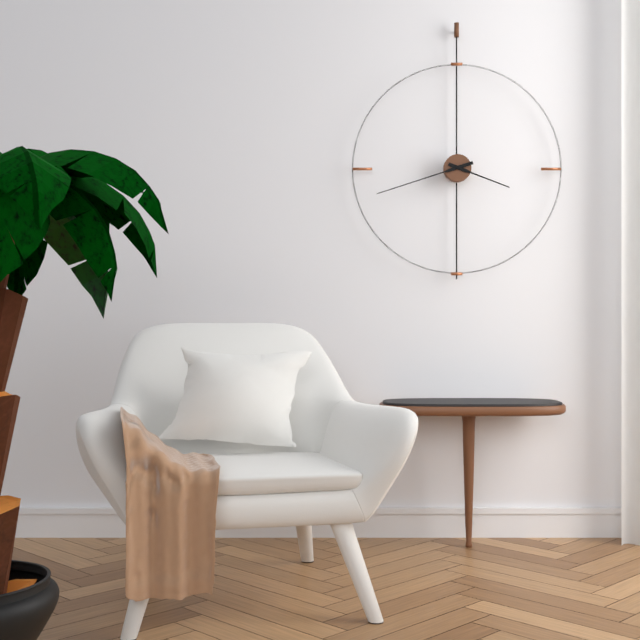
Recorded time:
3h42
